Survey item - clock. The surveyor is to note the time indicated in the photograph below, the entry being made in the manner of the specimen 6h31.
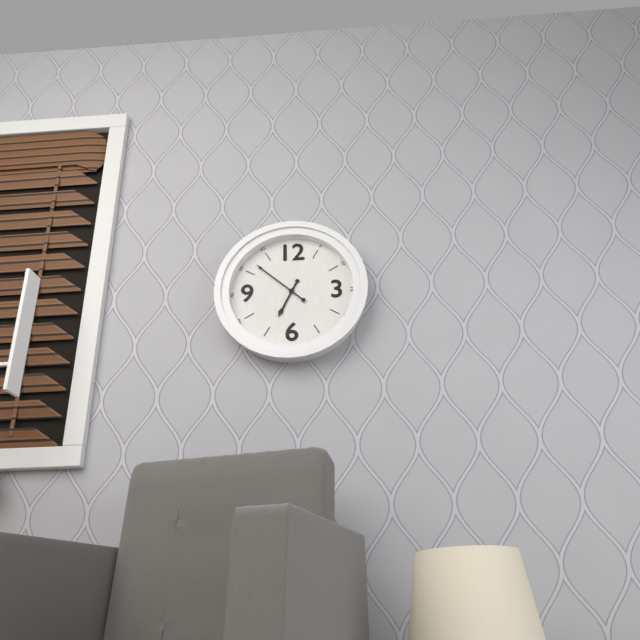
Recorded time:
6h52
